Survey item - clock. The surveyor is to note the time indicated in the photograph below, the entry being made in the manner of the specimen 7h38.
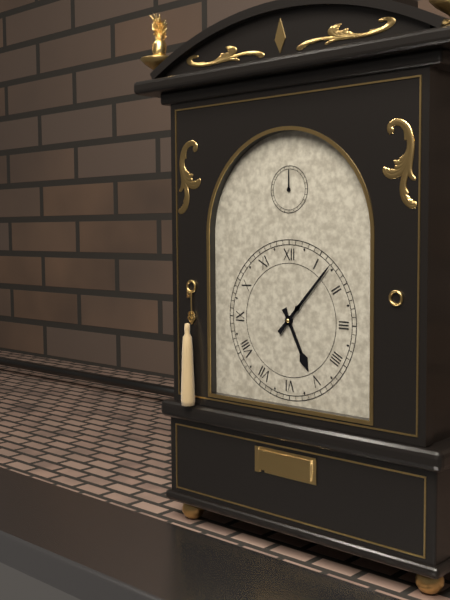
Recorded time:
5h07
